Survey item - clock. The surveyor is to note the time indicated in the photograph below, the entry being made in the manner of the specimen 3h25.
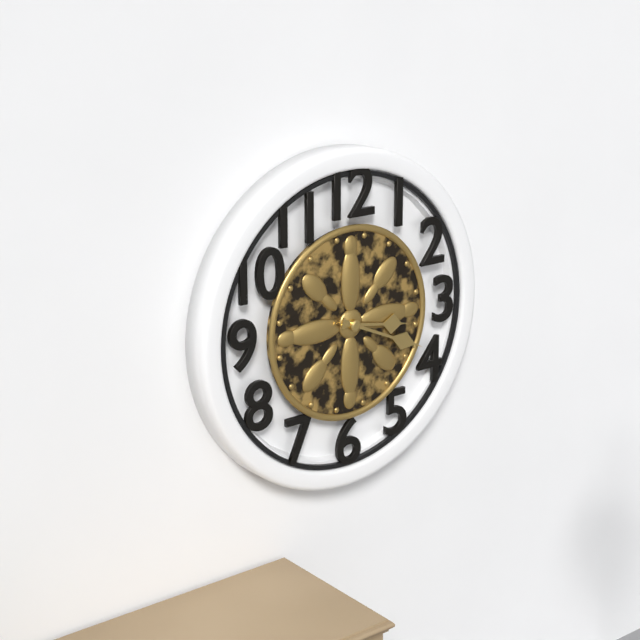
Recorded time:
3h19
